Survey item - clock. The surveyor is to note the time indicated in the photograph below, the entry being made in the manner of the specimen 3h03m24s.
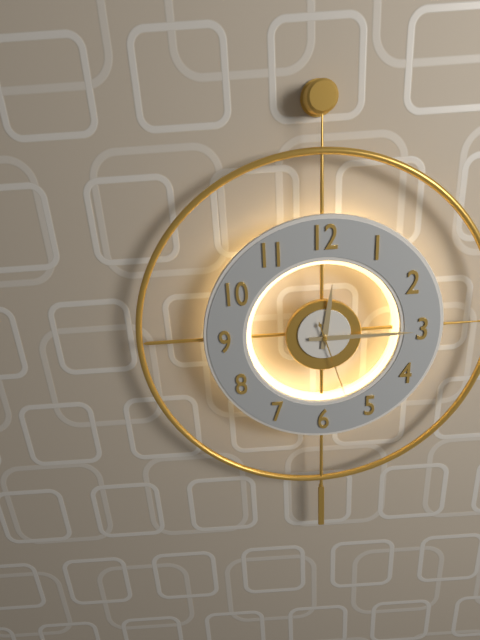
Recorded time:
12h15m27s
